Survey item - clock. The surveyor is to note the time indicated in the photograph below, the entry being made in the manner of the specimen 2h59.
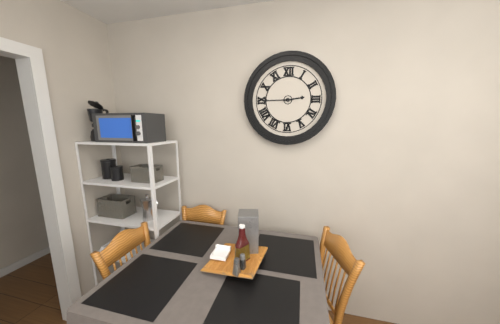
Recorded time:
2h45
